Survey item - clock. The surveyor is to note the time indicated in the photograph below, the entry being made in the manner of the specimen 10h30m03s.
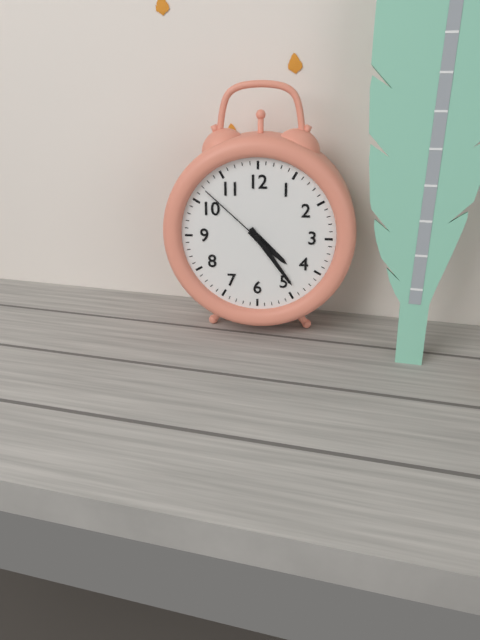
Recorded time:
4h24m52s
